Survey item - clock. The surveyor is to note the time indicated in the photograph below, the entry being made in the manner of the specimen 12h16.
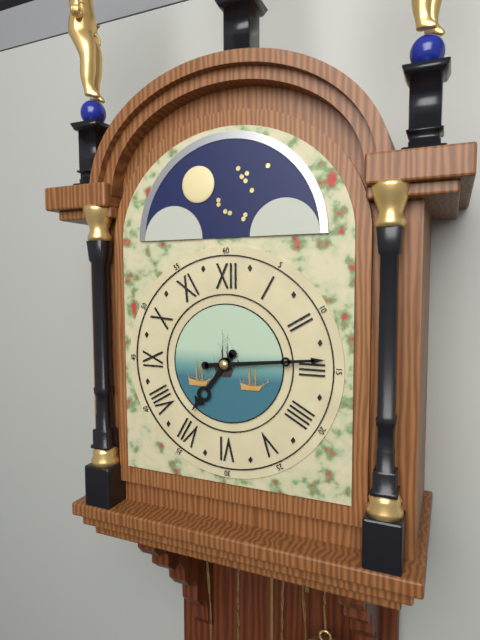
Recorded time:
7h14
